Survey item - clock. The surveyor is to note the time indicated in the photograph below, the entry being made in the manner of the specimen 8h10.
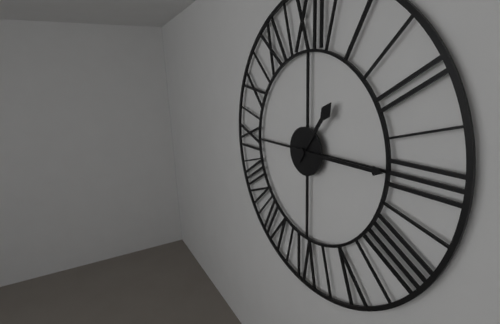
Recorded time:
1h15
